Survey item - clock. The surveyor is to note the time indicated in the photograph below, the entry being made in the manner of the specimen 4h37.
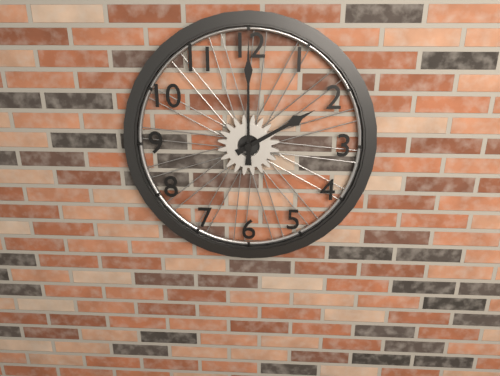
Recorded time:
2h00
